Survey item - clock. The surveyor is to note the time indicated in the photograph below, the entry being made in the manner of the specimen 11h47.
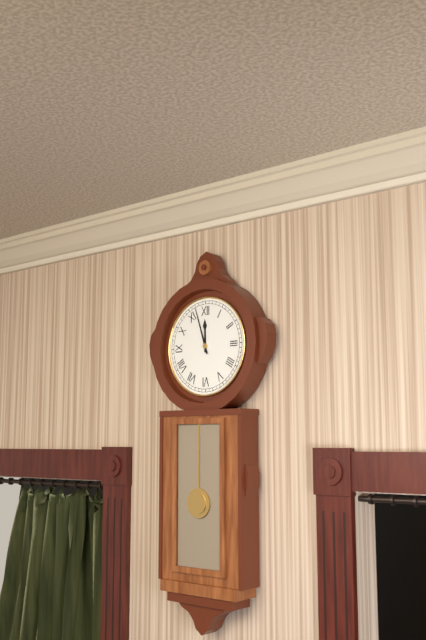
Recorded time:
11h57
